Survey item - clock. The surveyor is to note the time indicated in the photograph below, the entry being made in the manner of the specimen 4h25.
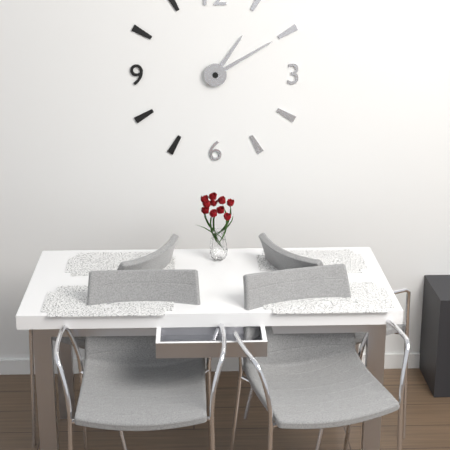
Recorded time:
1h10
